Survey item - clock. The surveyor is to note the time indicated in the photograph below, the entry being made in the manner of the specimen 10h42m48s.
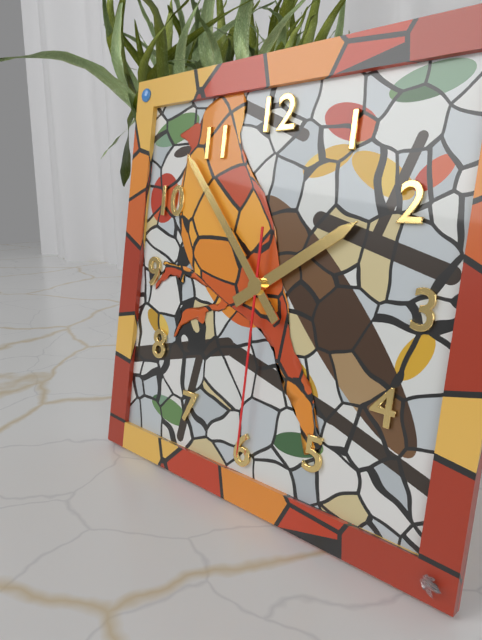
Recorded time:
1h53m30s
